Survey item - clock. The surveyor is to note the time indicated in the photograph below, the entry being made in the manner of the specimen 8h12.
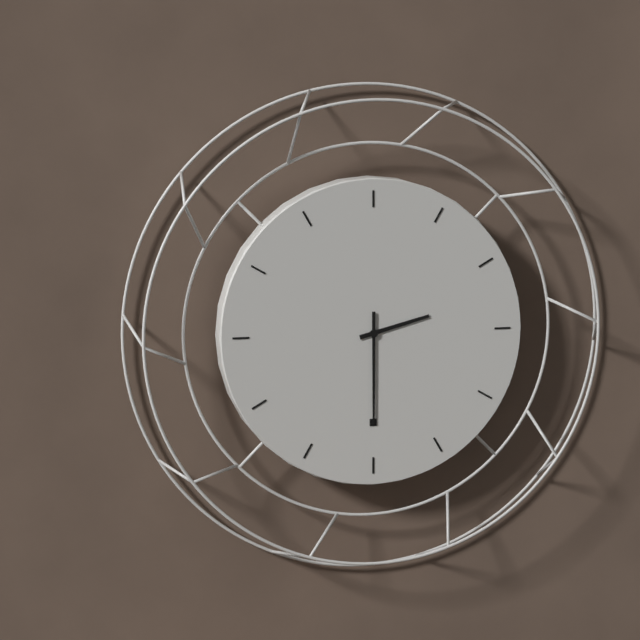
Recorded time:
2h30
